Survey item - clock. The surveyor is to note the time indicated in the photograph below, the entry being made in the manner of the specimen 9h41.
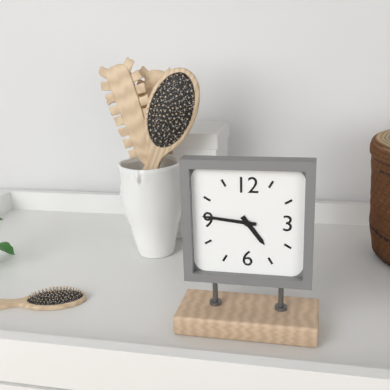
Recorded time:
4h46
